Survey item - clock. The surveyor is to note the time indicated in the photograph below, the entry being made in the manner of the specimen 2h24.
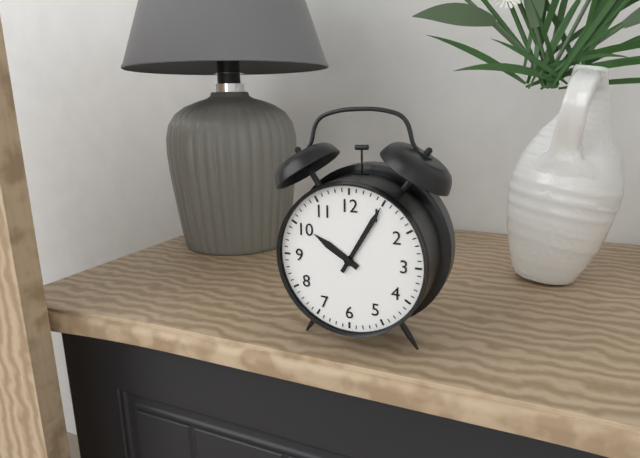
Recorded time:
10h05
